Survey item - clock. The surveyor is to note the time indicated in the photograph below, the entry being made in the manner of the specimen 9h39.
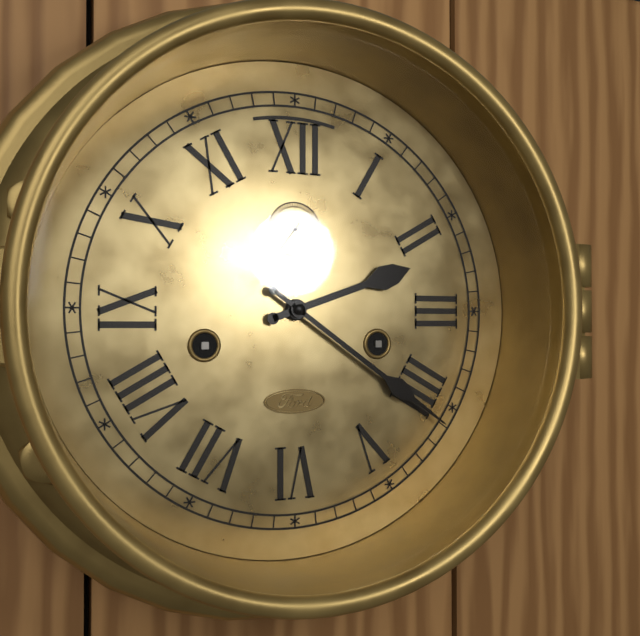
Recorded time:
2h21
